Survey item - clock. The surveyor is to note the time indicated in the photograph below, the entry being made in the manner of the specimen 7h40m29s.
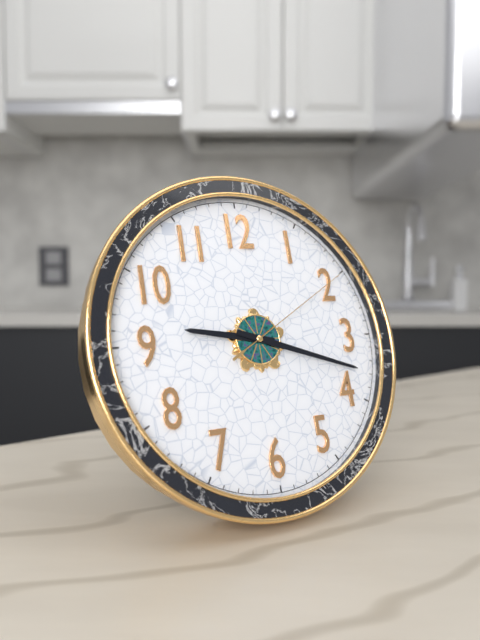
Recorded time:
9h18m10s
